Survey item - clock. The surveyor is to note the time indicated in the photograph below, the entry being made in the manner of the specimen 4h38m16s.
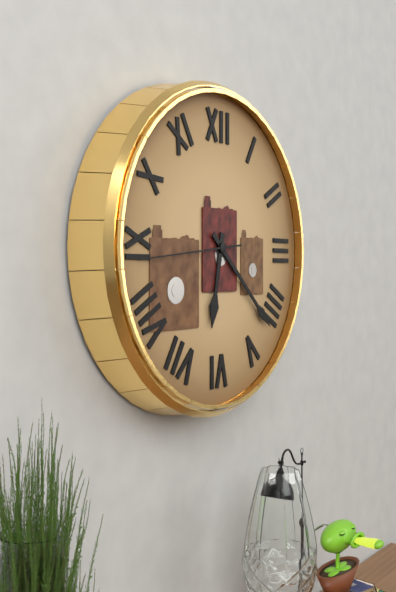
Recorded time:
6h22m44s
